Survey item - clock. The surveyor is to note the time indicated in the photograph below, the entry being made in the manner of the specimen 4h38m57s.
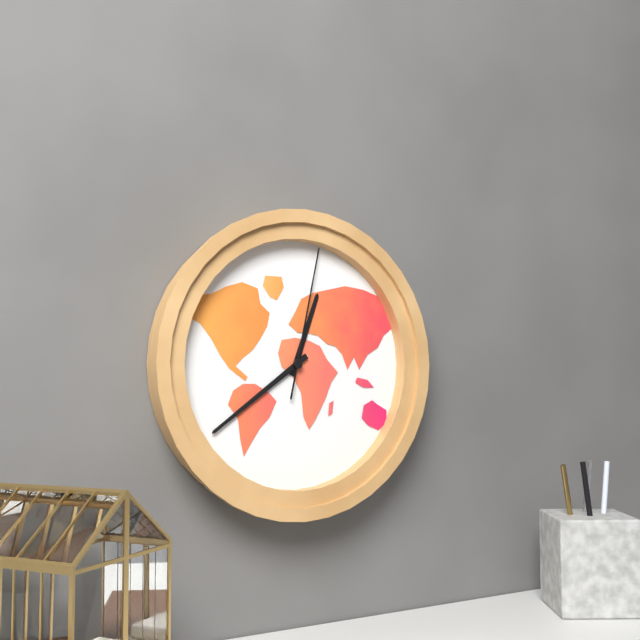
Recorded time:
12h39m02s
